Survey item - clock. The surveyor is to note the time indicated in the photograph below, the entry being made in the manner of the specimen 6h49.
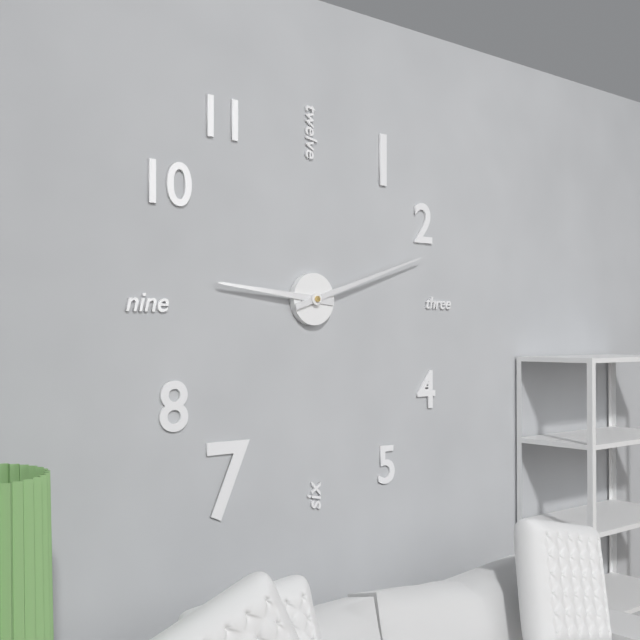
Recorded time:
9h12
